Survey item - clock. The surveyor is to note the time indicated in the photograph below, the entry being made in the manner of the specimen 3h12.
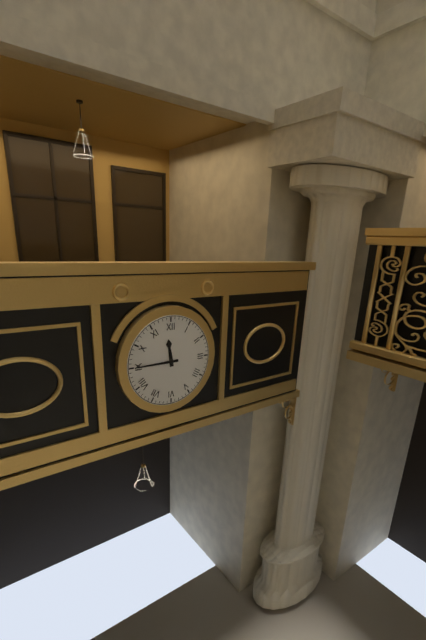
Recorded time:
11h45
